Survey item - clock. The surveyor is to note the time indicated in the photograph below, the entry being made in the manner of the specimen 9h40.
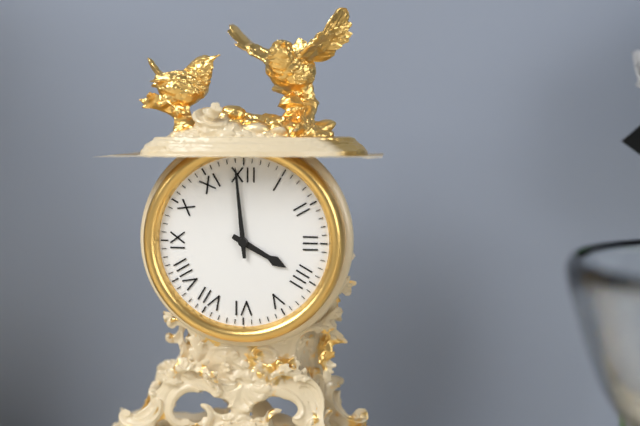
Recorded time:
3h59
